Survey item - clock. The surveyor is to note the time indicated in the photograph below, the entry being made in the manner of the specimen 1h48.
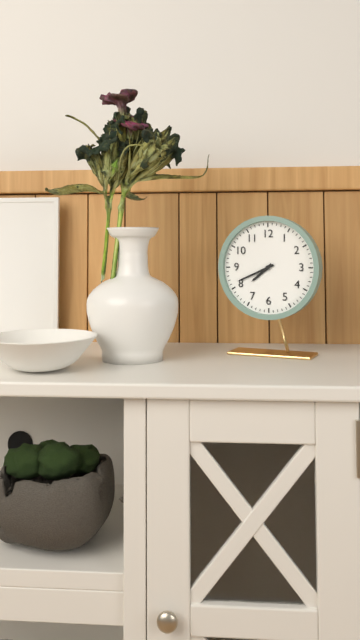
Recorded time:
7h41
